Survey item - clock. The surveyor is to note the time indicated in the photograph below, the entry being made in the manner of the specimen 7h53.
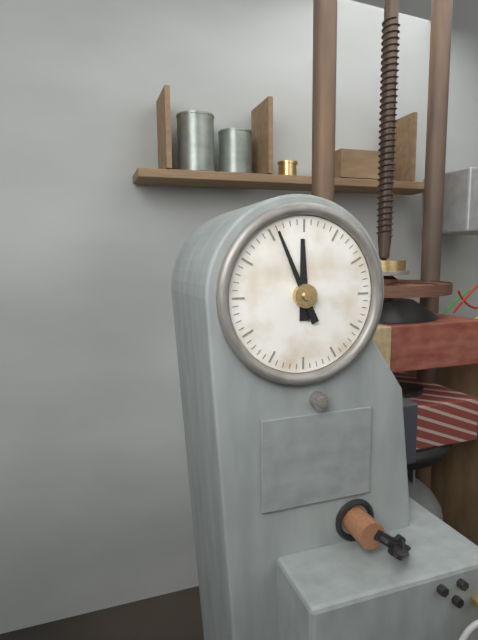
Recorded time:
11h56
